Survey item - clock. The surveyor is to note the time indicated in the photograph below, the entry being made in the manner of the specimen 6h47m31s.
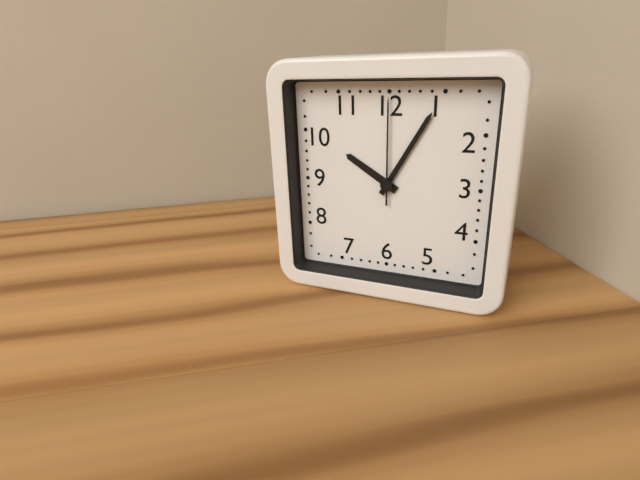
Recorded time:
10h05m00s
